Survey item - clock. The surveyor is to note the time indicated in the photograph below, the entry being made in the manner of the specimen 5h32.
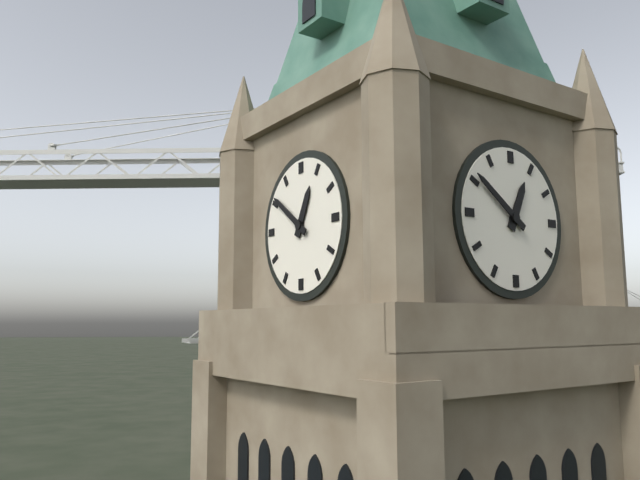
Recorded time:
12h51
